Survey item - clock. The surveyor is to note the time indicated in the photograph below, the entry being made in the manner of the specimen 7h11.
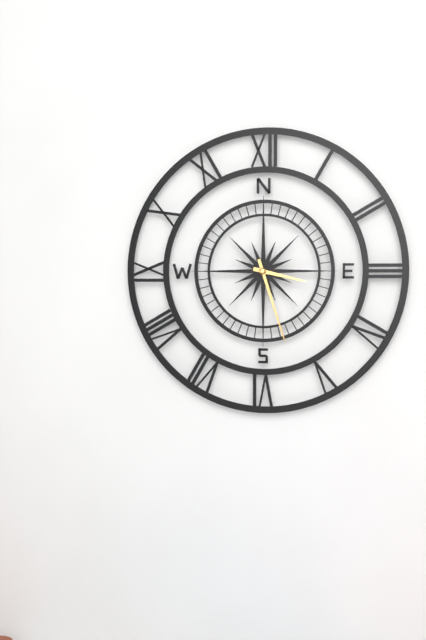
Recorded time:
3h27
